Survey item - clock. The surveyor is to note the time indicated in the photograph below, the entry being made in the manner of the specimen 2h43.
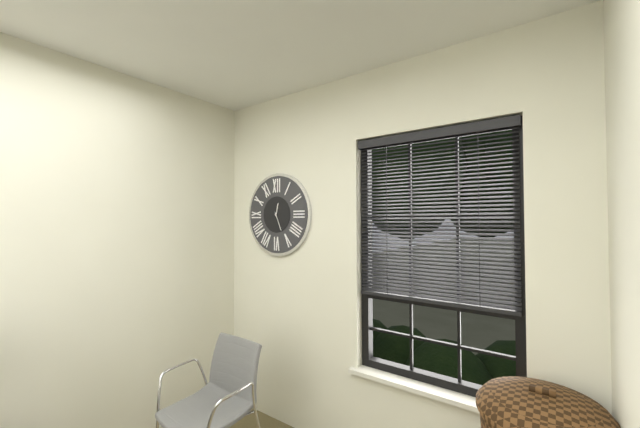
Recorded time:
12h26
